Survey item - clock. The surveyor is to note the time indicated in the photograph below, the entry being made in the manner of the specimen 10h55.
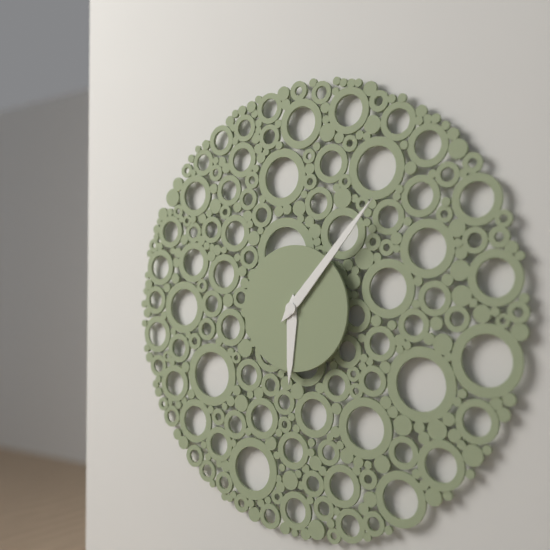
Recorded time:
6h07
